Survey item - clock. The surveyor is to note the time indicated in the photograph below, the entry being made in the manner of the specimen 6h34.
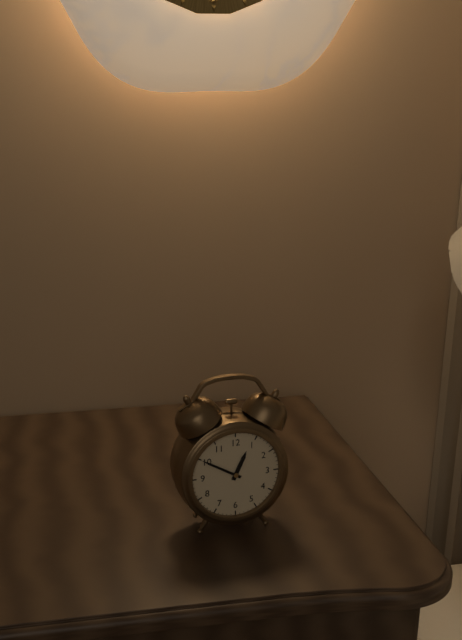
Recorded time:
12h50
